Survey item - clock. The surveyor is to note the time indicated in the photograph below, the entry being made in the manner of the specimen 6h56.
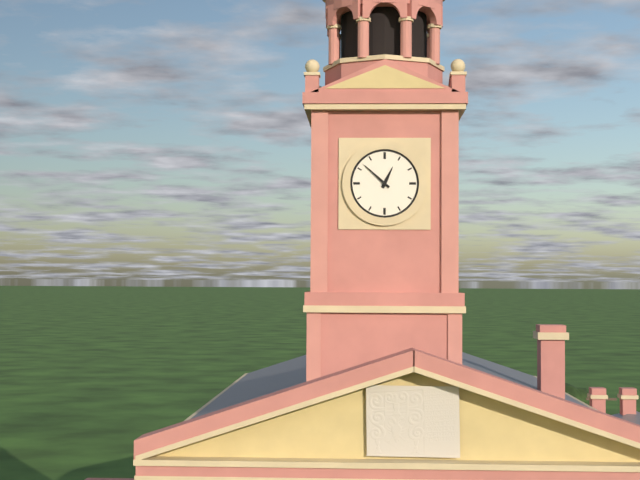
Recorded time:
12h52
